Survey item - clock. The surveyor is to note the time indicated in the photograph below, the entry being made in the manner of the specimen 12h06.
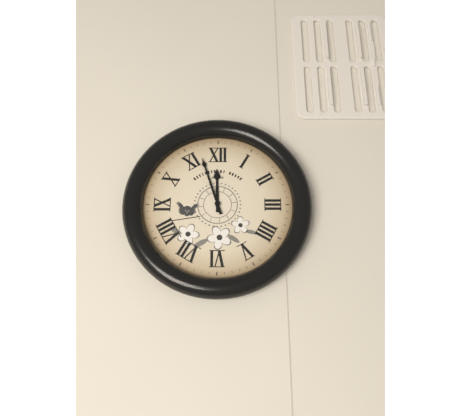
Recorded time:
11h57
